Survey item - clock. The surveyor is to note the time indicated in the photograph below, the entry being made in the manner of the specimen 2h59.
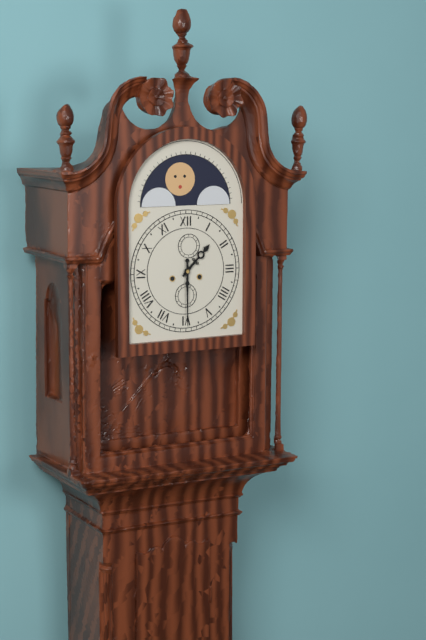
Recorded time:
1h30
